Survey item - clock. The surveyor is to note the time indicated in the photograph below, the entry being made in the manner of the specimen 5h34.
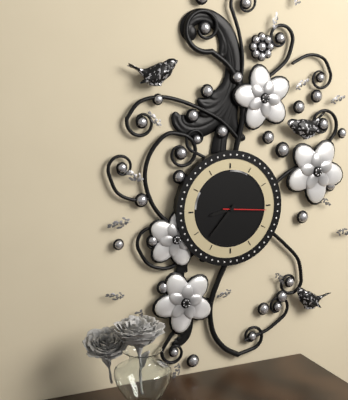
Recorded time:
8h37
